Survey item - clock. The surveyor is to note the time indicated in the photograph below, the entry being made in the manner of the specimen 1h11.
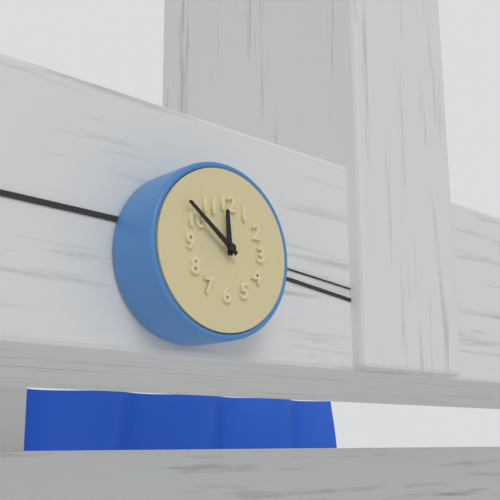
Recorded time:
11h51
